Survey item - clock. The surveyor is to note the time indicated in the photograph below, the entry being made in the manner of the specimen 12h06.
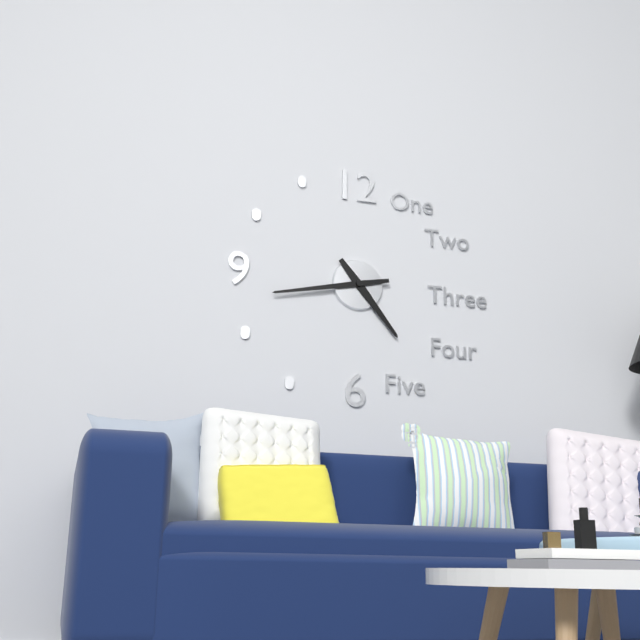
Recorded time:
4h43
